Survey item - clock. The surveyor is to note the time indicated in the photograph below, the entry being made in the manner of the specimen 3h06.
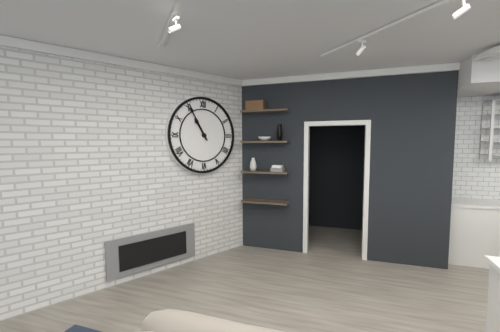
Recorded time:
10h55
